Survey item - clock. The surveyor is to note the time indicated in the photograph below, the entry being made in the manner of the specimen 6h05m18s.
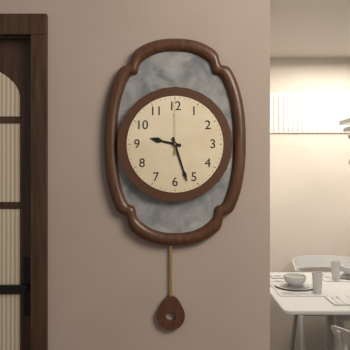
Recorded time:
9h27m00s
